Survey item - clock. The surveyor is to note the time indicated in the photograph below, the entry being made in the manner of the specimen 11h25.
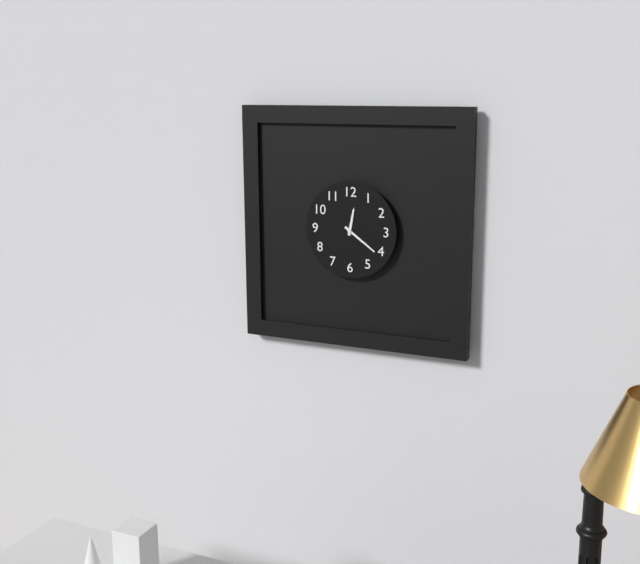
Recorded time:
12h21
